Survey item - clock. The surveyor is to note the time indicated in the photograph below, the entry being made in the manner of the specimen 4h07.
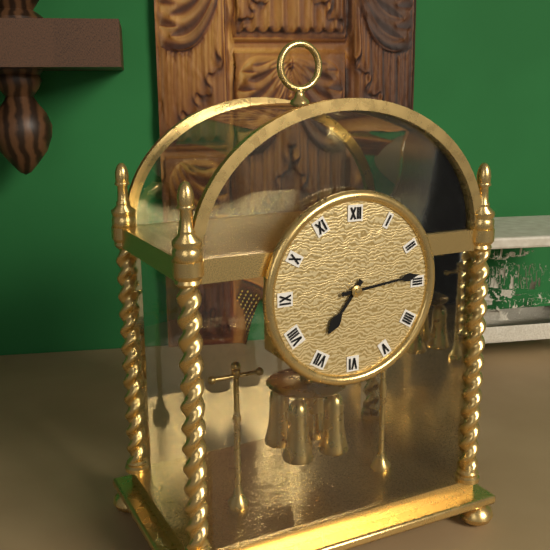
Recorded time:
7h14
